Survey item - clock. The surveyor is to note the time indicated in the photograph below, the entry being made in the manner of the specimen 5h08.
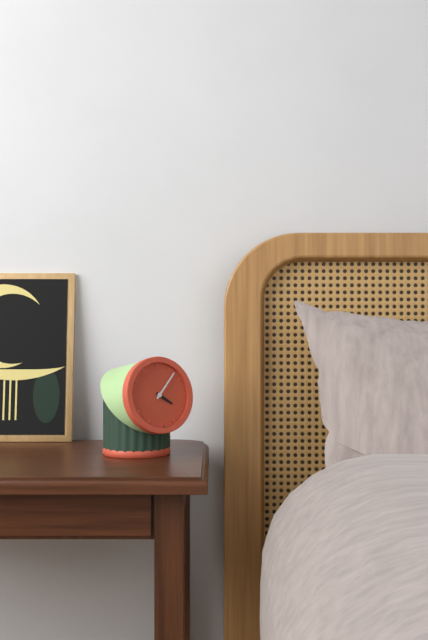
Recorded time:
4h07
